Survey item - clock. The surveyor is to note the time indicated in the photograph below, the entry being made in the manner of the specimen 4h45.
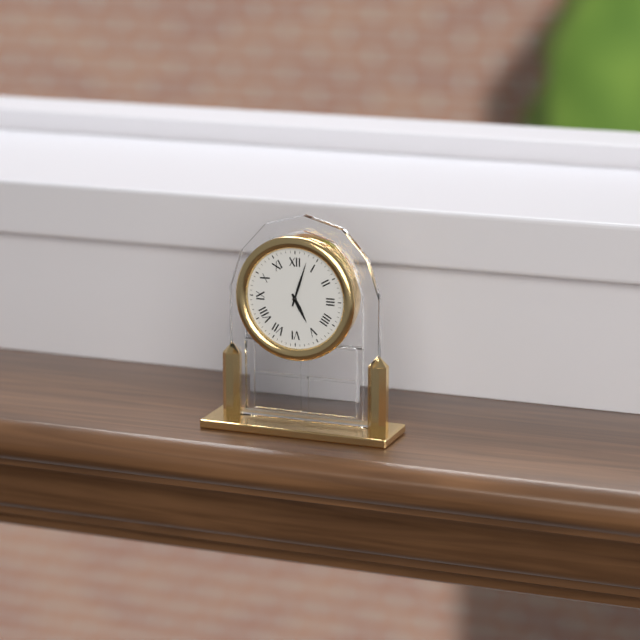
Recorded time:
5h03
